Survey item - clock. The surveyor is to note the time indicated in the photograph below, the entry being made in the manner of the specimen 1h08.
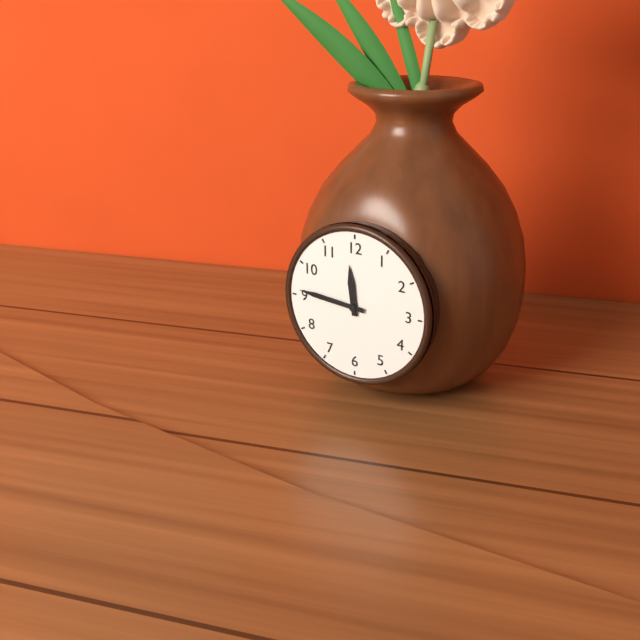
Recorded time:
11h46
